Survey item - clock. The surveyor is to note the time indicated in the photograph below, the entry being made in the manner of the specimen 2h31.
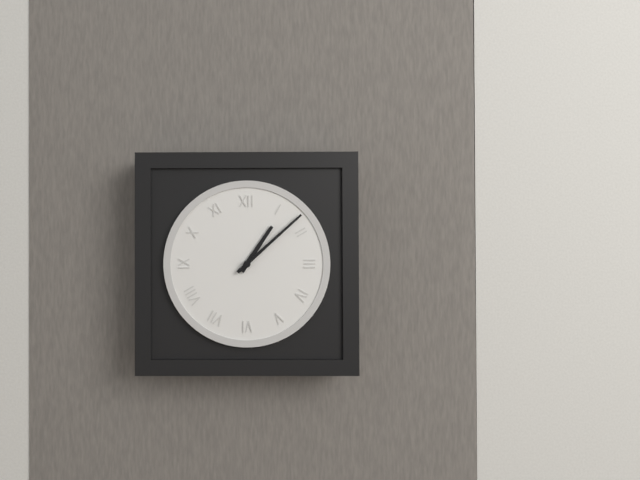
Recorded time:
1h08
